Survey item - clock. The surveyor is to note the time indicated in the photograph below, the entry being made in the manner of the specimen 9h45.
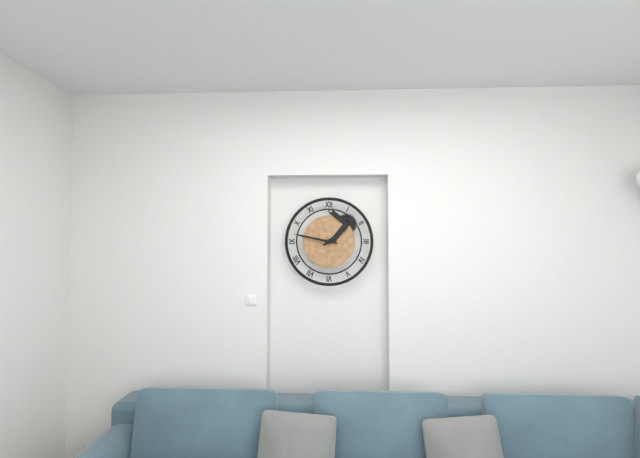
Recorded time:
1h47
